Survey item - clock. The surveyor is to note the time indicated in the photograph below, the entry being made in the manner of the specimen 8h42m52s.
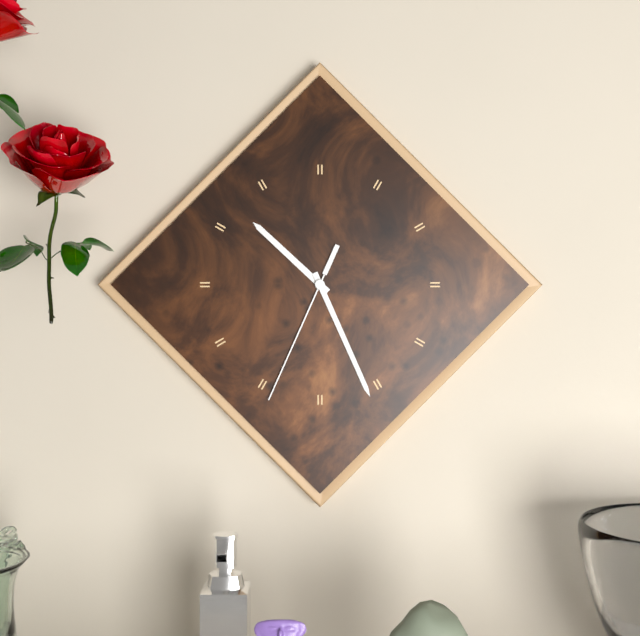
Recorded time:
10h26m34s
